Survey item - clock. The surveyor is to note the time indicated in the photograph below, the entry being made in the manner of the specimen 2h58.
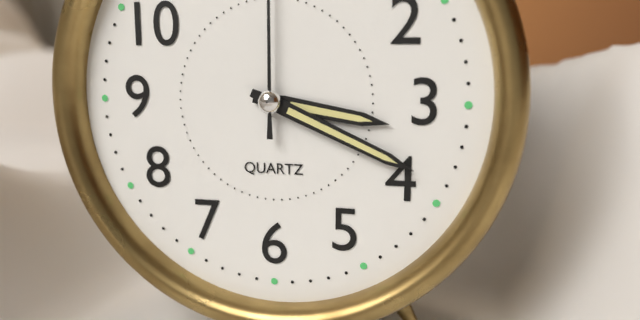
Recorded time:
3h19
